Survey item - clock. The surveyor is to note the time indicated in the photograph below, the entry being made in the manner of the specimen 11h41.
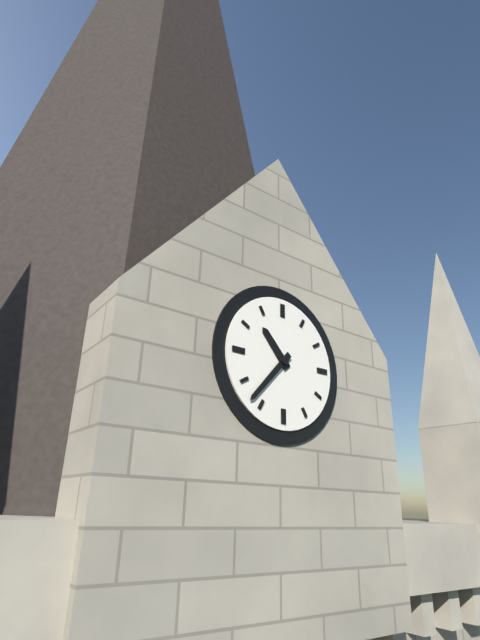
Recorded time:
10h37
